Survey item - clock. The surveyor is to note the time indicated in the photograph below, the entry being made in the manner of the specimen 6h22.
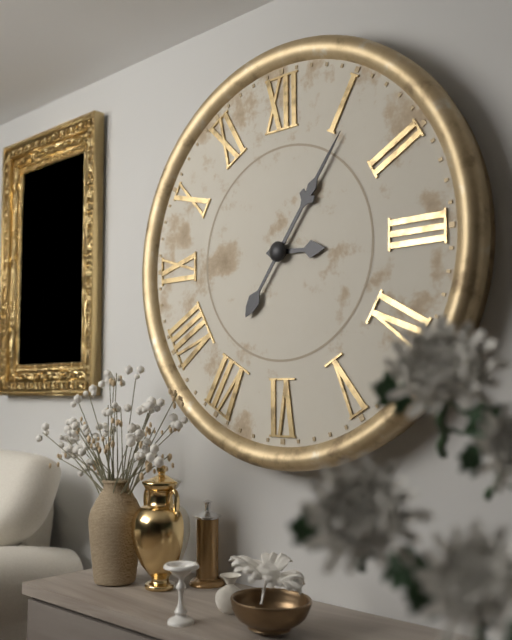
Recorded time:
3h06
